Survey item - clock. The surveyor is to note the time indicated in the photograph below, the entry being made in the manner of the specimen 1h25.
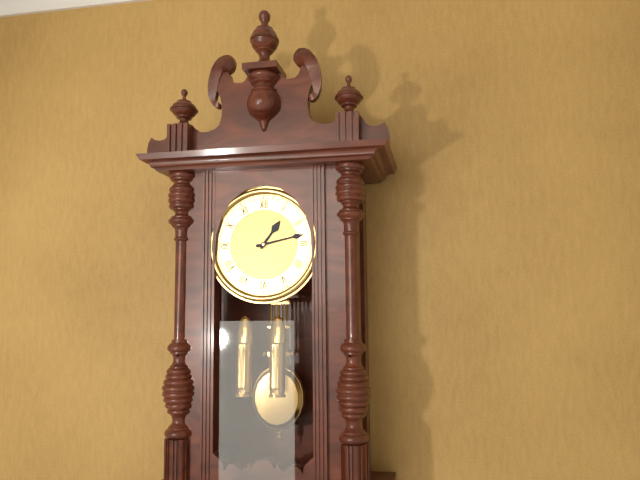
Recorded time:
1h13
